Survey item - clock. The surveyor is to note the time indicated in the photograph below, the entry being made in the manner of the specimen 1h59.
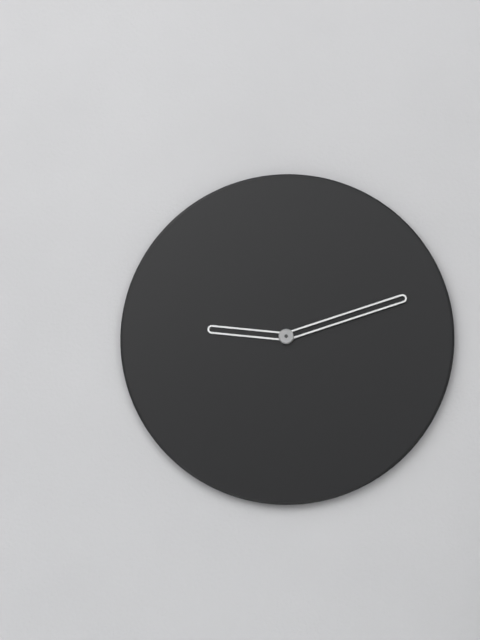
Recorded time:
9h12
